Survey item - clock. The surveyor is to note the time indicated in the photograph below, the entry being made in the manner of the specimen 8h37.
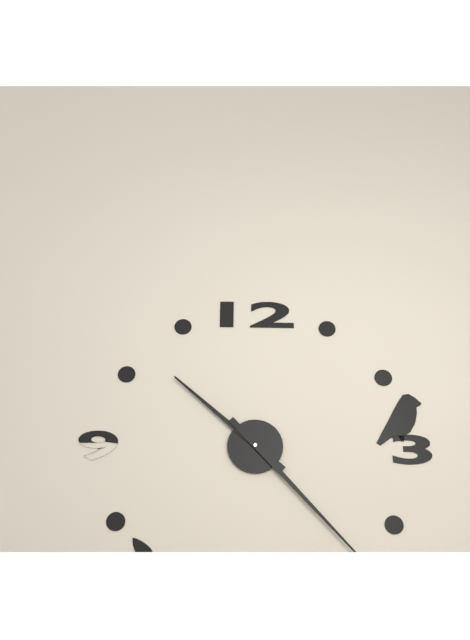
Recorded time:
10h23
